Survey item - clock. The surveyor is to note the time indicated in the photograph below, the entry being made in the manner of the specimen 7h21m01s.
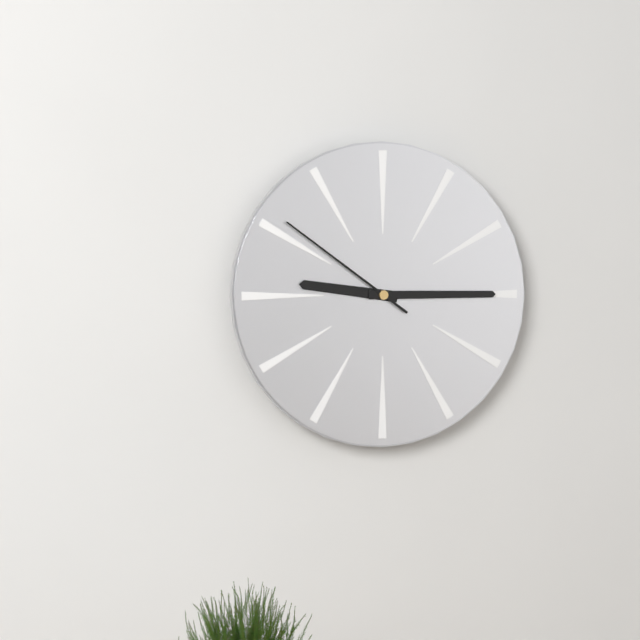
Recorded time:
9h15m51s
